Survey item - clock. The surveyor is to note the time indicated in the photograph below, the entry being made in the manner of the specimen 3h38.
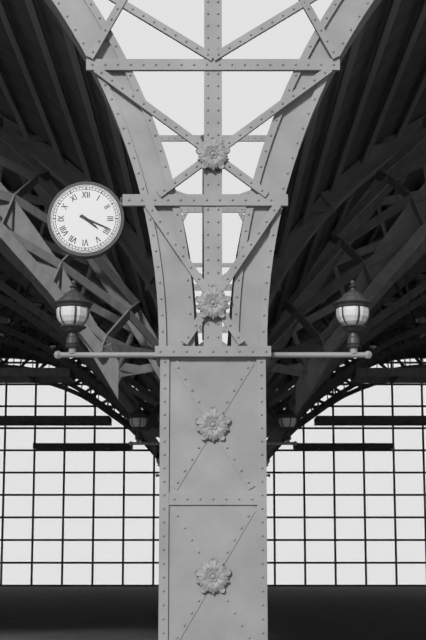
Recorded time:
4h19
